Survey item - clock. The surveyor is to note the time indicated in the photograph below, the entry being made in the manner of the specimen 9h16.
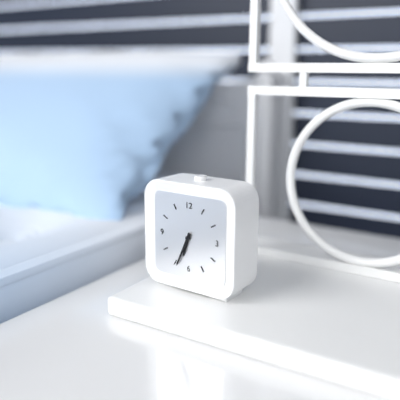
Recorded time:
6h34
